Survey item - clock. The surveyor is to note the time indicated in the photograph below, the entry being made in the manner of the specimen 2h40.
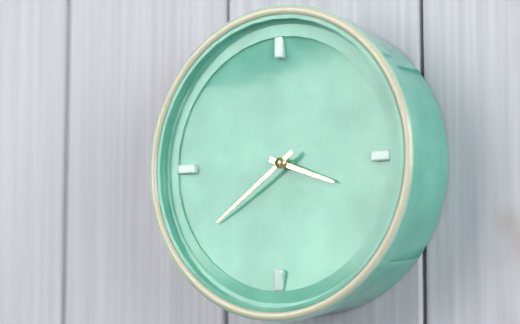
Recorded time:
3h39
